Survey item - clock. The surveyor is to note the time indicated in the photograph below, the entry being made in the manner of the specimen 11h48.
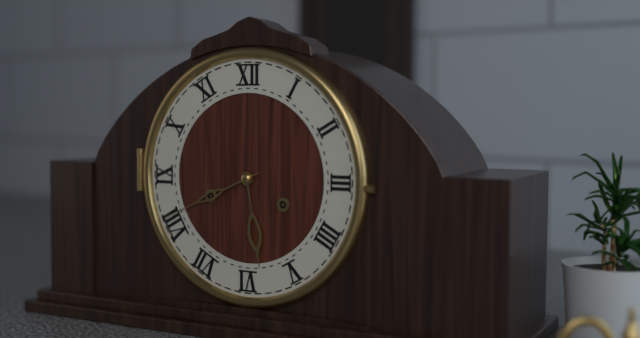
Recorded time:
5h41
